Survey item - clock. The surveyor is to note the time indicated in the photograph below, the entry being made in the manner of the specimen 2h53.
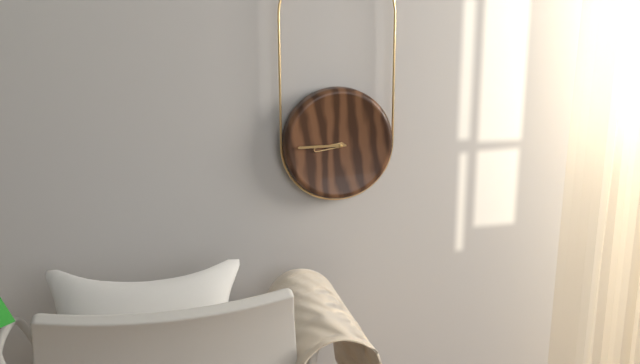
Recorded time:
8h45
